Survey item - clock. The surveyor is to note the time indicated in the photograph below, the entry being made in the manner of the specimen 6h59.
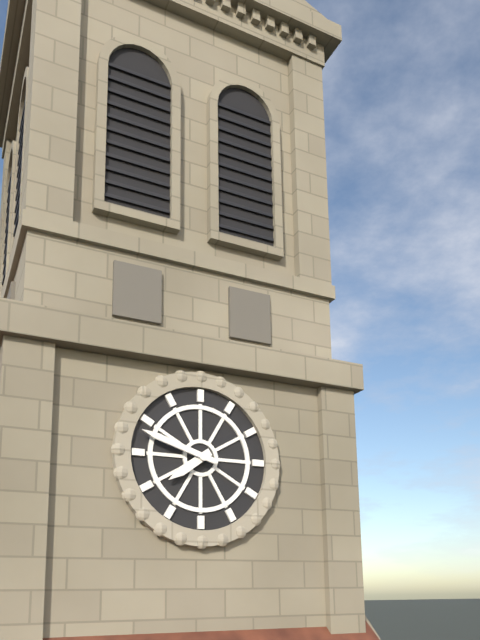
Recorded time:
7h48
